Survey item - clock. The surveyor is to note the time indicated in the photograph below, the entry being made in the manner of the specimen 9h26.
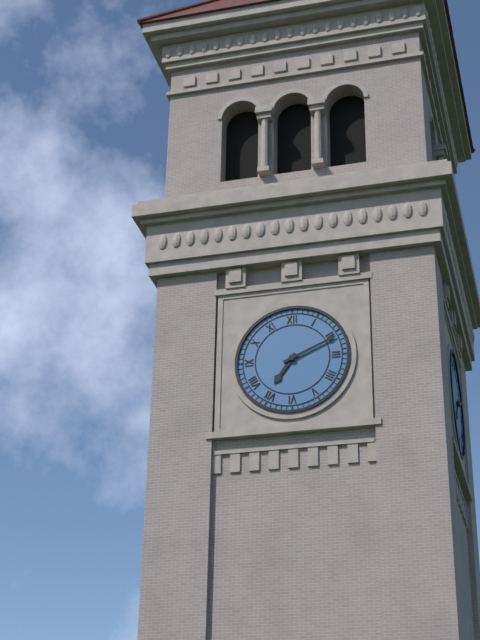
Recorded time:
7h11
